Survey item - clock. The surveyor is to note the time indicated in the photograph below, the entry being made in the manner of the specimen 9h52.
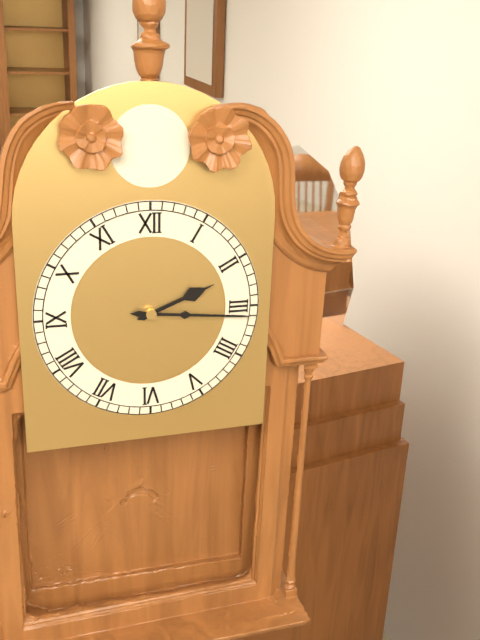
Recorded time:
2h16
